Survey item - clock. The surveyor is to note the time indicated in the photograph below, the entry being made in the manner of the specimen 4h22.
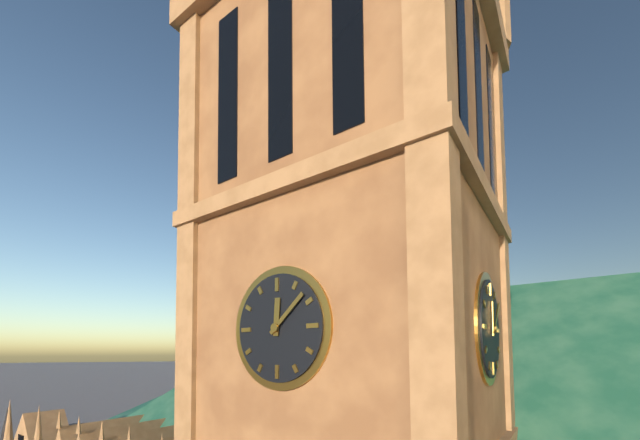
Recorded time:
12h08
